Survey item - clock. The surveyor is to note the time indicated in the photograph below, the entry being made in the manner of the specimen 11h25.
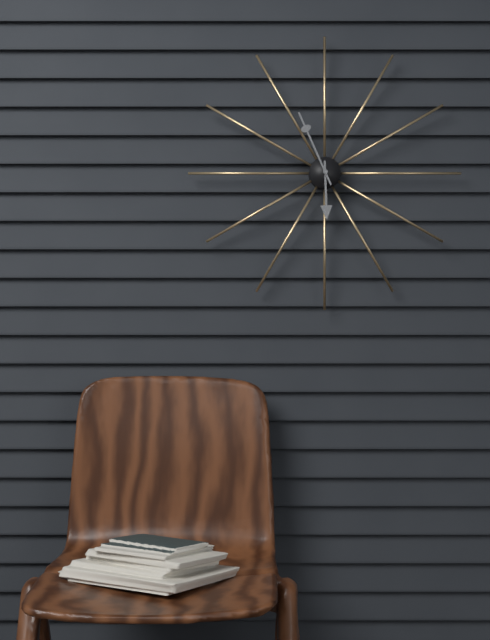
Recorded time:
5h56
